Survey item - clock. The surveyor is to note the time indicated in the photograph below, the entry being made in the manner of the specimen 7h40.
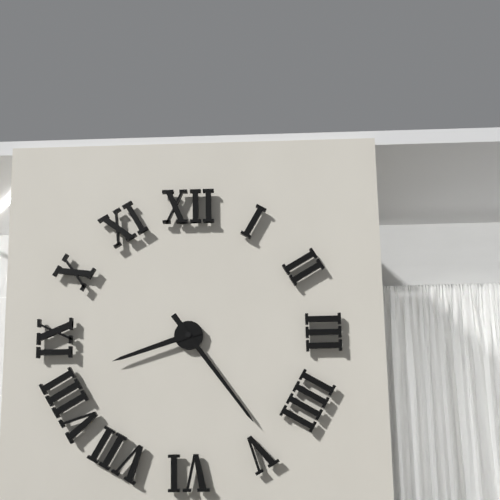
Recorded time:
8h24
